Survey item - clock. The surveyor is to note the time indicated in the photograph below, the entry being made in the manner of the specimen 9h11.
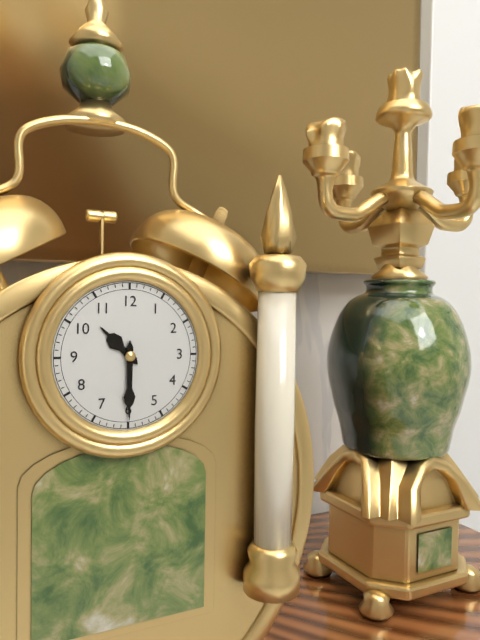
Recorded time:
10h30
